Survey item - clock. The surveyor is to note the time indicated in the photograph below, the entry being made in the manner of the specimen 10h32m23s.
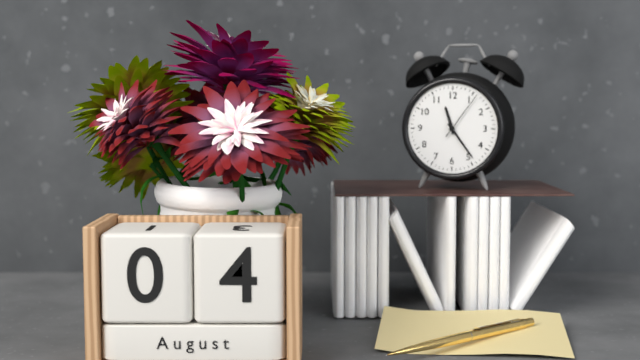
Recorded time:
11h24m06s
